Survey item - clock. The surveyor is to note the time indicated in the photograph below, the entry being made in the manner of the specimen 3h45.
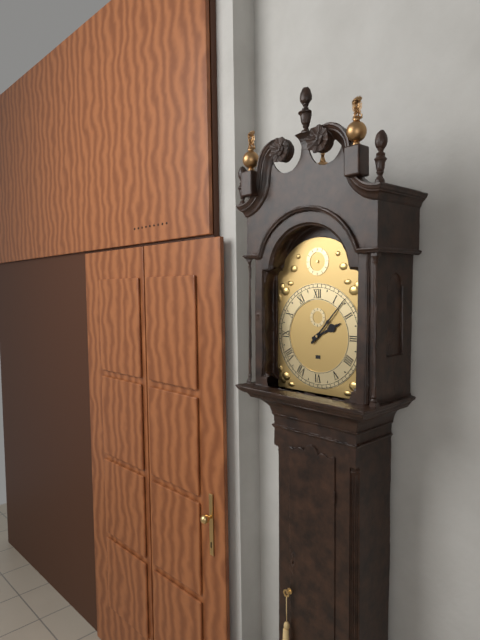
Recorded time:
2h07
